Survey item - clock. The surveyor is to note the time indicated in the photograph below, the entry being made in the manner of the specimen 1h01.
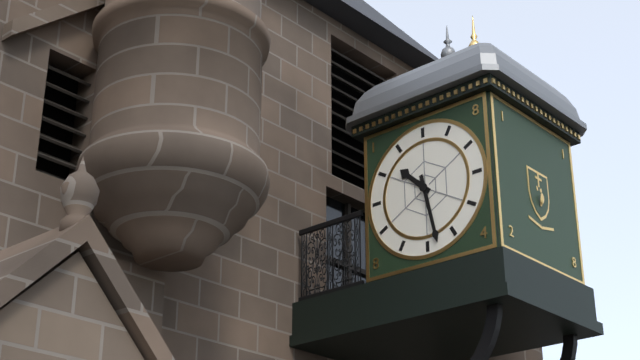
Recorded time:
10h28
